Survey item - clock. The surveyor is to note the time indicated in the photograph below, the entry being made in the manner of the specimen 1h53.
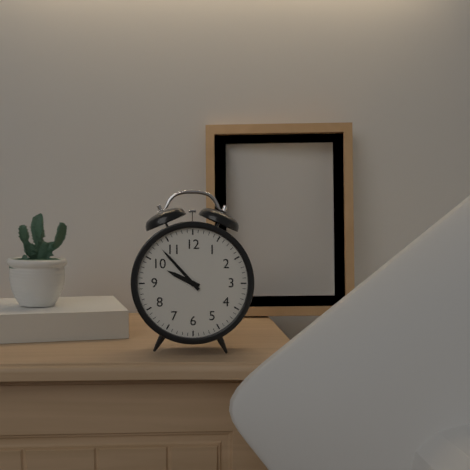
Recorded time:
9h53
